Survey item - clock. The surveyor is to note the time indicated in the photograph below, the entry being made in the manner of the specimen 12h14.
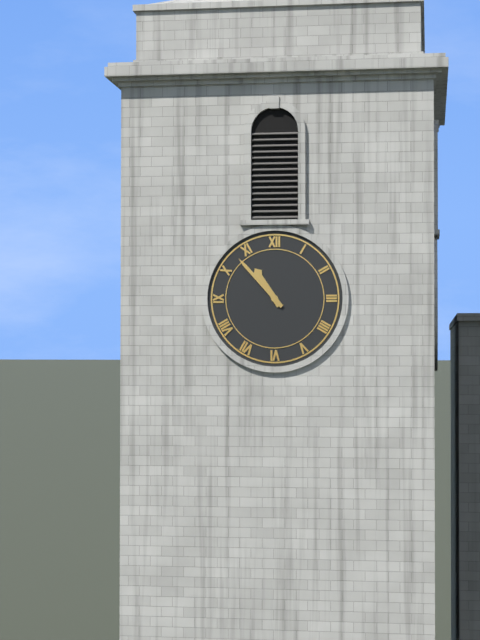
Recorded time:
10h53
